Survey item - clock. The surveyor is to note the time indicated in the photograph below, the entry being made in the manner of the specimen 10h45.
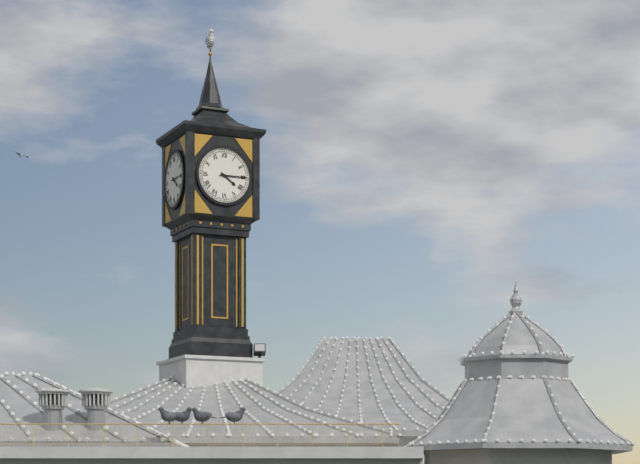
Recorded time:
4h15
